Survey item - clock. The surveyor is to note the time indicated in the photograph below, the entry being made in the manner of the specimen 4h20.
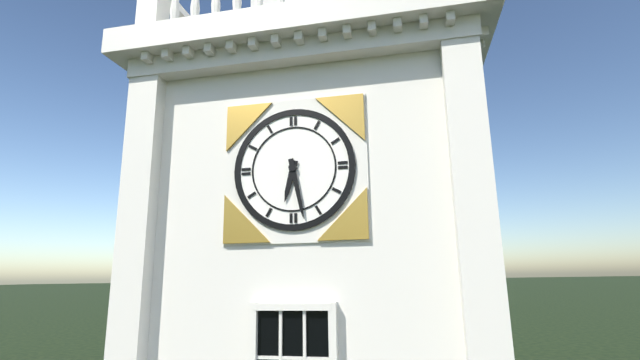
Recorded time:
6h28
